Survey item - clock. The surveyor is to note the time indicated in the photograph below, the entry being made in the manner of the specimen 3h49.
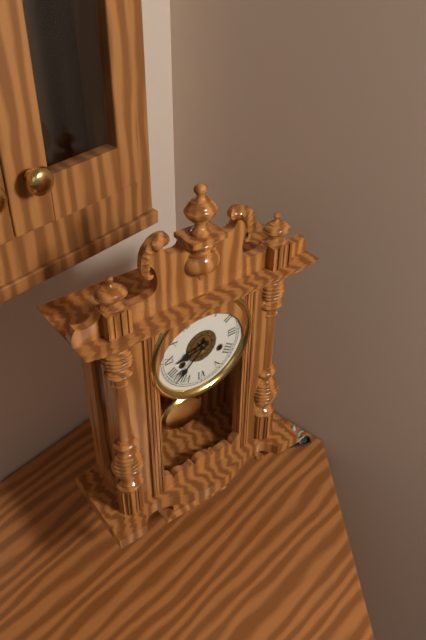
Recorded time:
8h38
